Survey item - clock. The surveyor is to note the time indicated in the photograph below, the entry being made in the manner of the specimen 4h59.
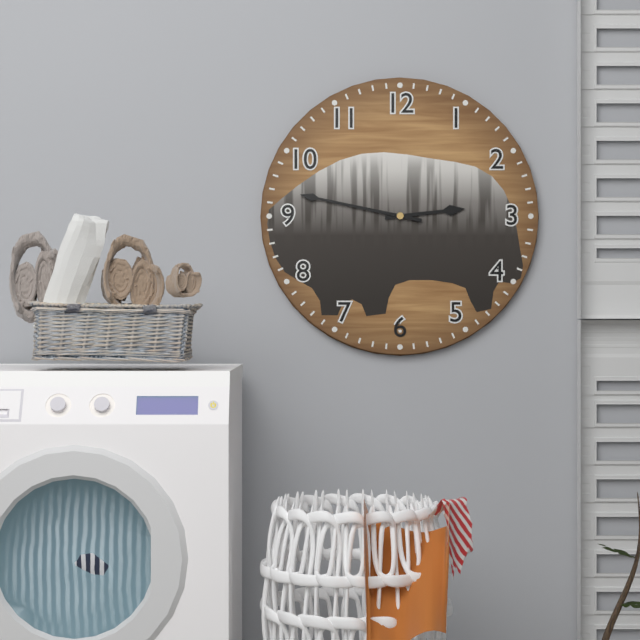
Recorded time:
2h47
